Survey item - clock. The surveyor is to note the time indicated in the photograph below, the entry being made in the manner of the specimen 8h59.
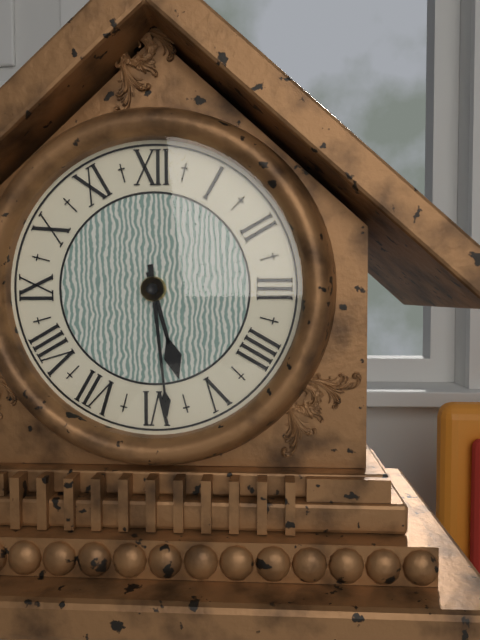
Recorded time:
5h29
